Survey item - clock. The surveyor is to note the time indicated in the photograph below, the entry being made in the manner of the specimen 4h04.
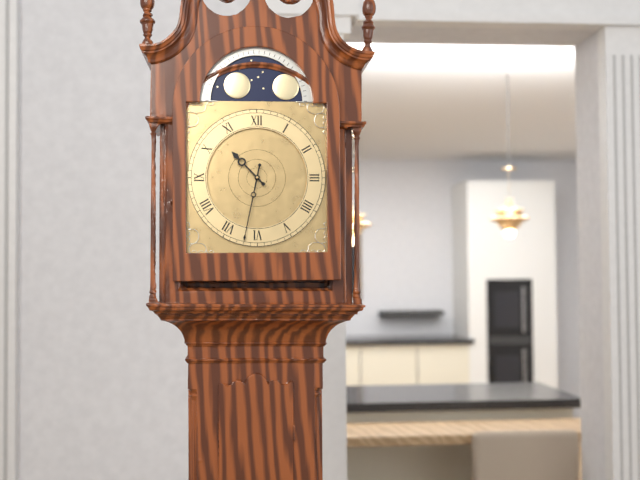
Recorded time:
10h32
